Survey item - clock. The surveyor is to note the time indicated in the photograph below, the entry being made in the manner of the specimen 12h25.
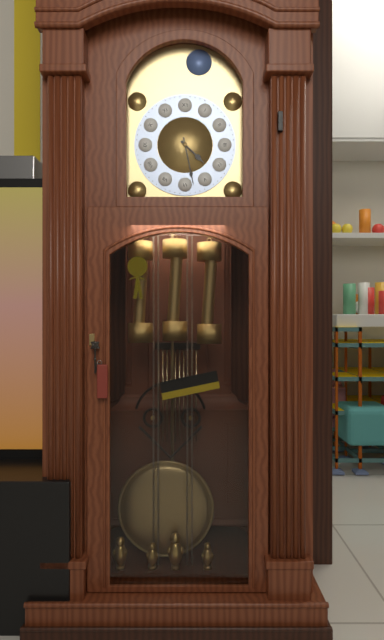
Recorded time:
4h28
